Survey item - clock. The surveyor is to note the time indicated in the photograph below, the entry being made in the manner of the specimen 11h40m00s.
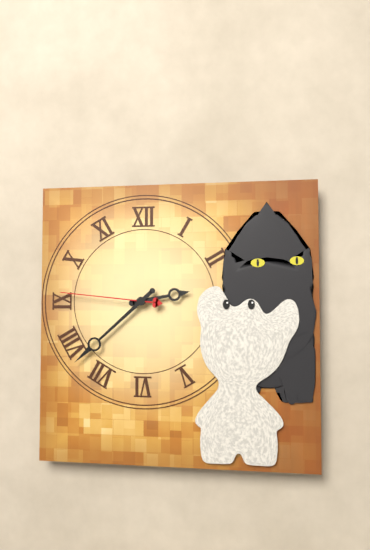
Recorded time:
2h38m46s
